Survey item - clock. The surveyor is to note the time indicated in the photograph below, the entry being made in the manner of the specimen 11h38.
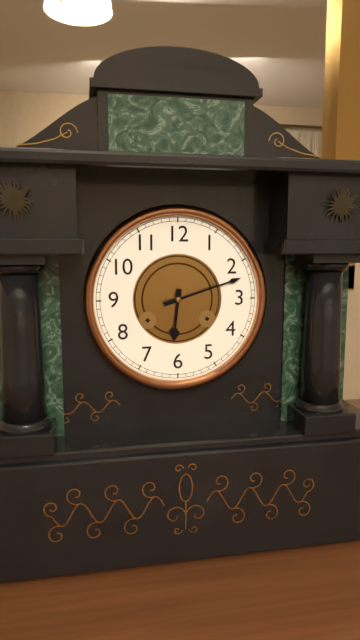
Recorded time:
6h12
